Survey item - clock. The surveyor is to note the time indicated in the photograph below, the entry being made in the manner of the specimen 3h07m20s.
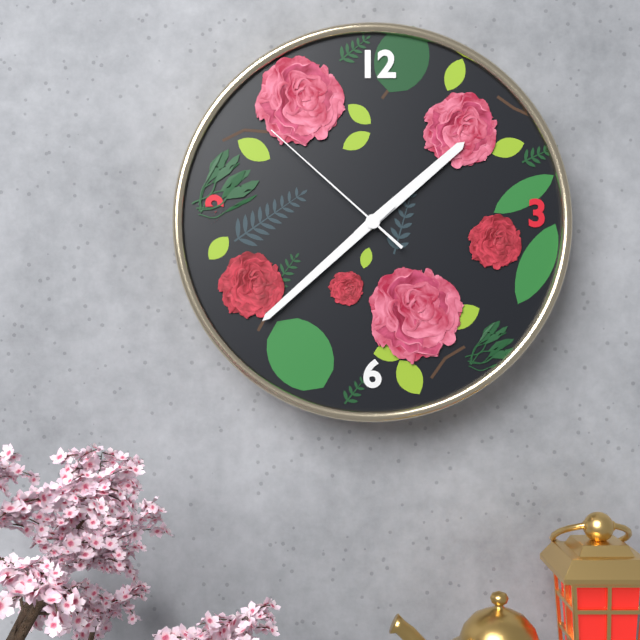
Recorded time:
1h38m52s
